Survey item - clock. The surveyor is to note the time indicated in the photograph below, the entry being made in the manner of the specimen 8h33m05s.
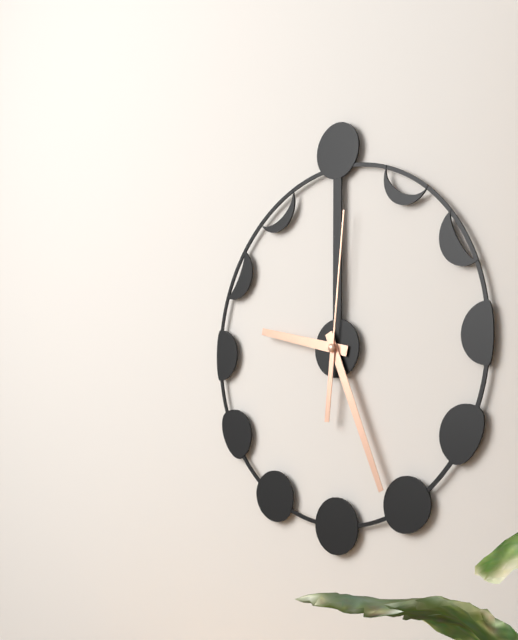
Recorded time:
9h26m01s
